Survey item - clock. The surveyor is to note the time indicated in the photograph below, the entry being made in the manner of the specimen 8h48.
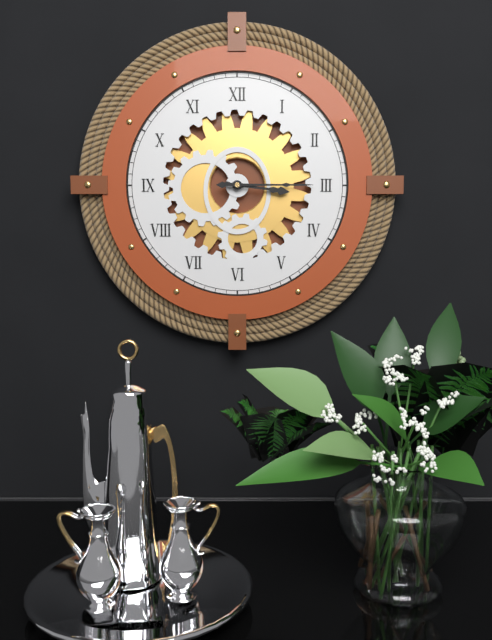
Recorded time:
3h15
